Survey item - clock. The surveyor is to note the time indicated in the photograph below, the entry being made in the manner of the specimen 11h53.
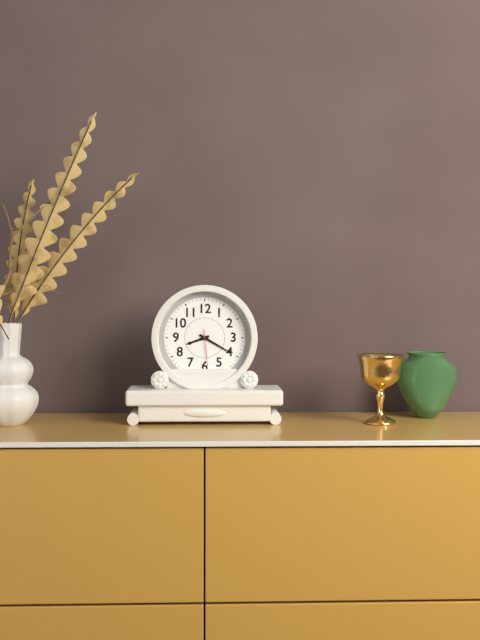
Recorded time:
8h20
